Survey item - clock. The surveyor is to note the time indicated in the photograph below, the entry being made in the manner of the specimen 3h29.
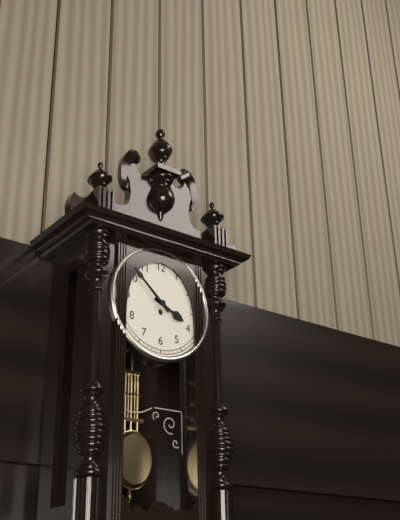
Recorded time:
3h52
